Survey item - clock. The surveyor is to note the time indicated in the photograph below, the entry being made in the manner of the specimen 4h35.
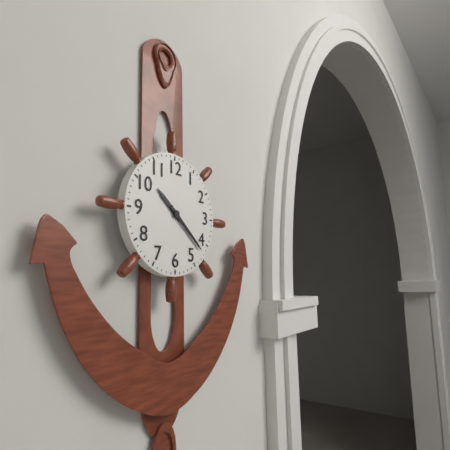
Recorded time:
10h22
